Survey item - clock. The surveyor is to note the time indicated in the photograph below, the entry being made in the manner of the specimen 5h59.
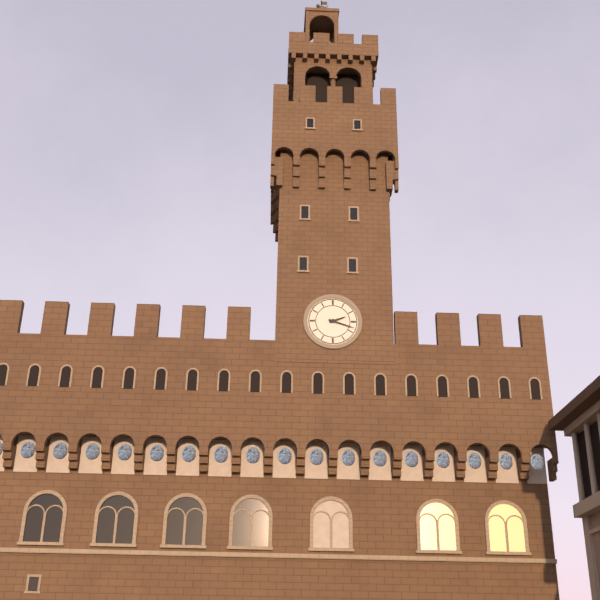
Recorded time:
2h18
